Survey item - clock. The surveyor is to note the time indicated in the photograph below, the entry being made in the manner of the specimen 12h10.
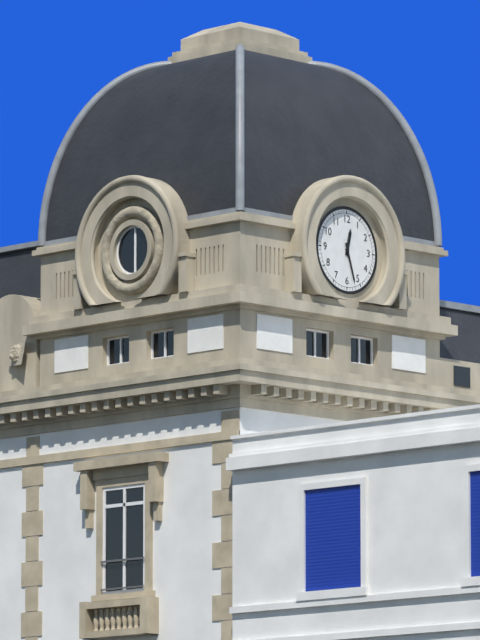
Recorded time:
12h27
